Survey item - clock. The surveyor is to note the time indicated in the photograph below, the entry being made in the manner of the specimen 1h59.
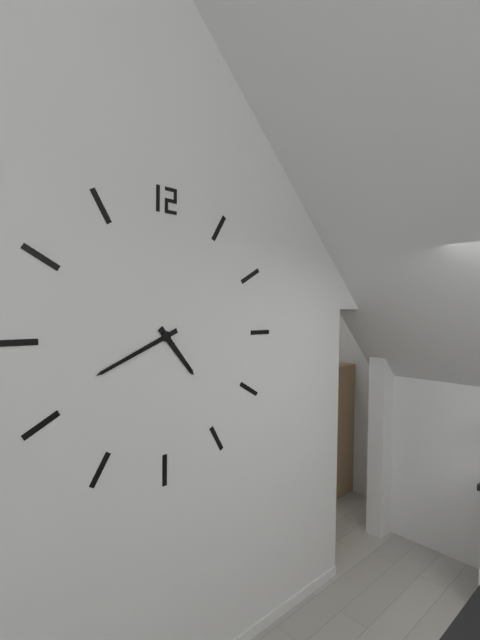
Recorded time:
4h41
